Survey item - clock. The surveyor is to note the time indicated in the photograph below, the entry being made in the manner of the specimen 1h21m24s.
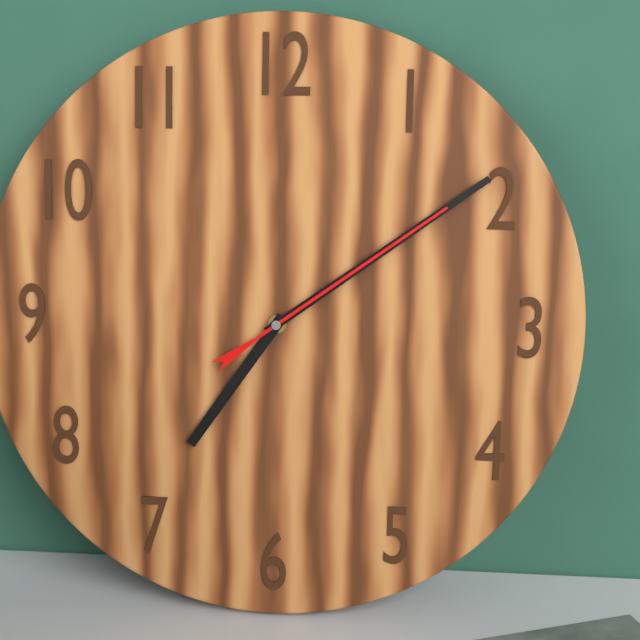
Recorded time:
7h09m09s
